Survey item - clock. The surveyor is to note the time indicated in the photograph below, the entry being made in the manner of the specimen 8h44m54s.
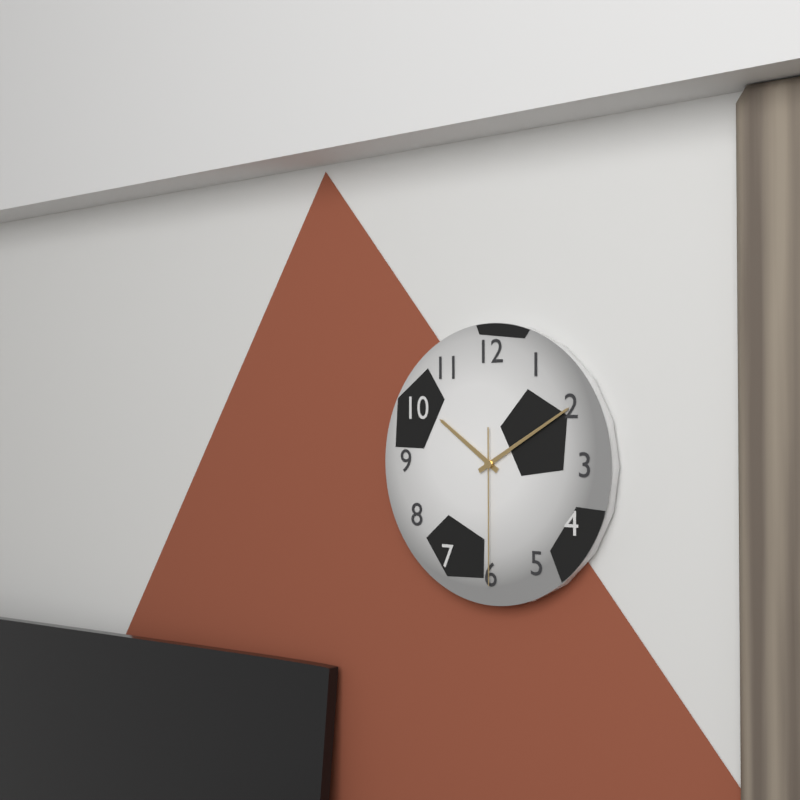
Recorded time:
10h10m30s
